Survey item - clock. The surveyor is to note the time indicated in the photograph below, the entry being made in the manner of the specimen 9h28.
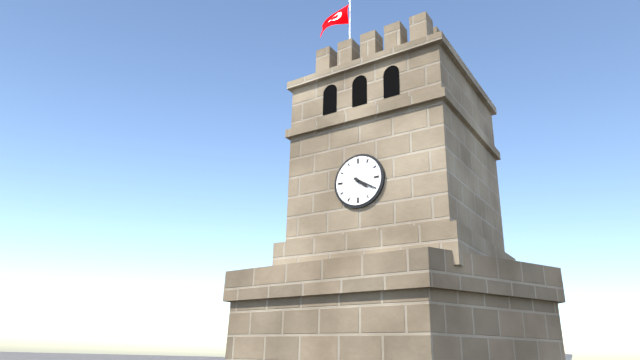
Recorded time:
4h20
